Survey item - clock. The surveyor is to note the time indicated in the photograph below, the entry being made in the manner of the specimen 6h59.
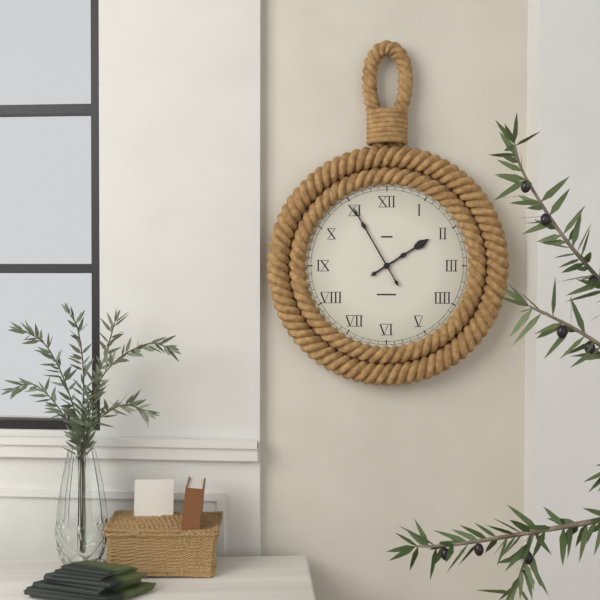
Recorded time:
1h55
